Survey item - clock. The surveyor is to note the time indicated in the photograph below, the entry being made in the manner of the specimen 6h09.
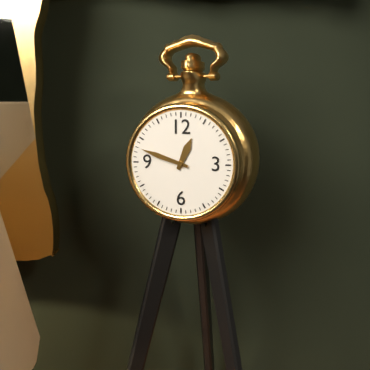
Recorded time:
12h48
